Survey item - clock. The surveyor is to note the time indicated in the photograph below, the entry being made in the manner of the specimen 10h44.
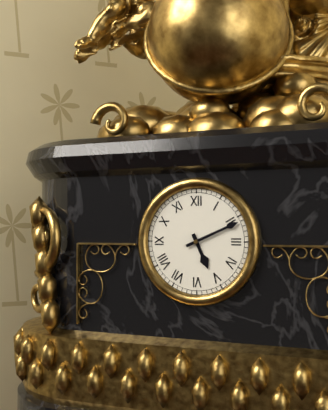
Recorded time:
5h11
